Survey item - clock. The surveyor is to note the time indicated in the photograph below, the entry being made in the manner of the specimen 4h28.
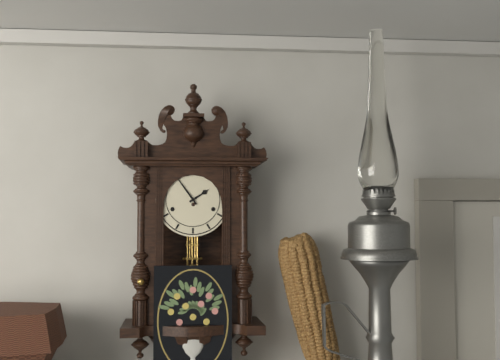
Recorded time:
1h54
